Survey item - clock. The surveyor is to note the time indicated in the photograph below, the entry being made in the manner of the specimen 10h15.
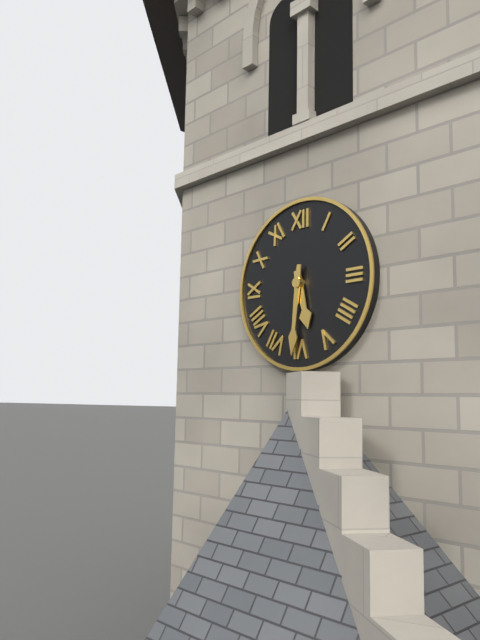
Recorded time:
5h31
